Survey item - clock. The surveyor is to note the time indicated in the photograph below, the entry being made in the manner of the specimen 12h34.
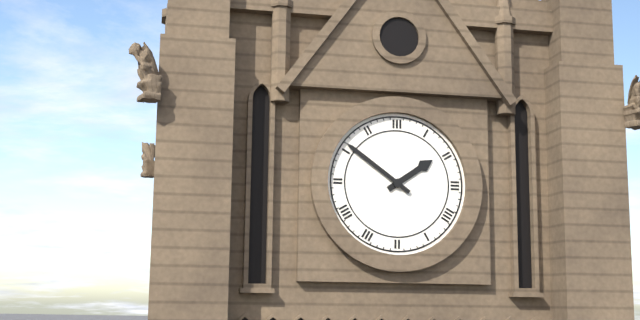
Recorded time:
1h51
